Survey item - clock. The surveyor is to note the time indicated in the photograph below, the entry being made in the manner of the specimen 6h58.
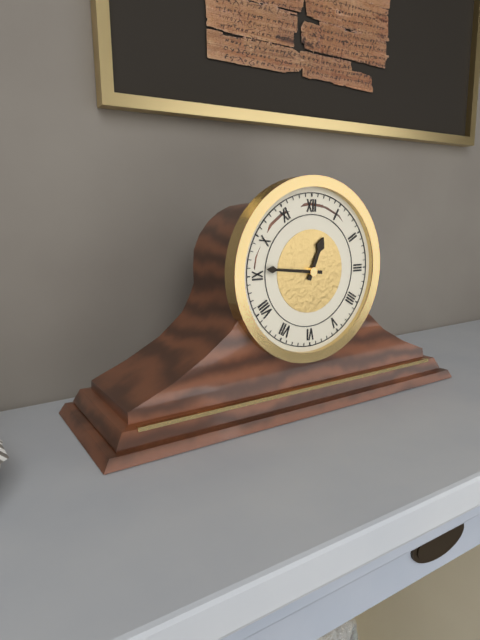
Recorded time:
12h46
